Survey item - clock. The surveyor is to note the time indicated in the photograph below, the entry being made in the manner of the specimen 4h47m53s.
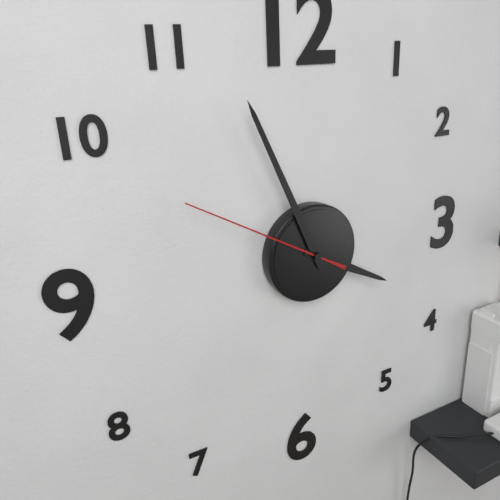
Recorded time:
3h56m50s
